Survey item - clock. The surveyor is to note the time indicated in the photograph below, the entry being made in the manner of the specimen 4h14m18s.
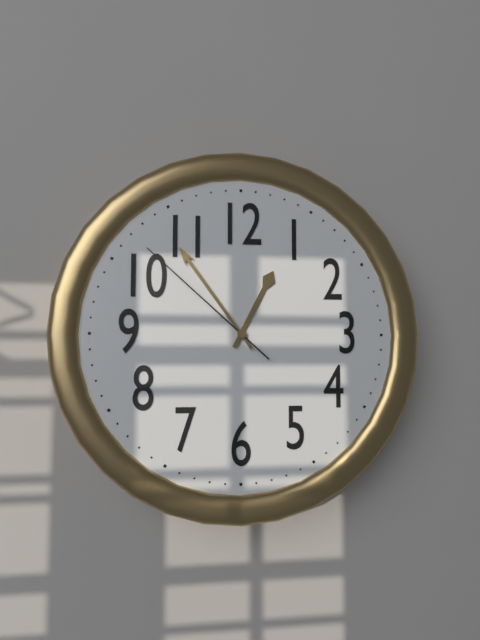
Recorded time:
12h54m52s
